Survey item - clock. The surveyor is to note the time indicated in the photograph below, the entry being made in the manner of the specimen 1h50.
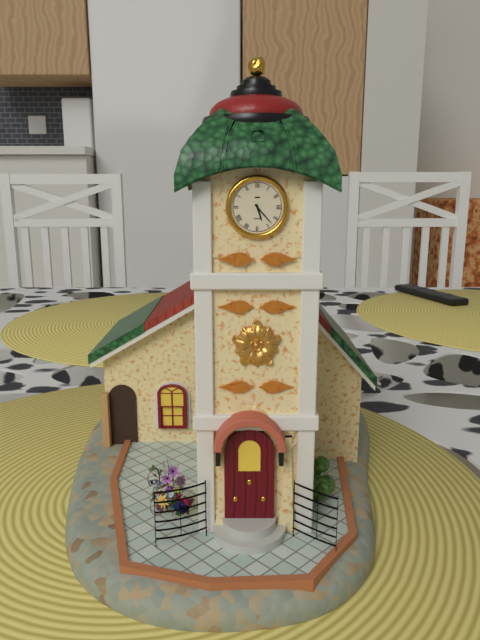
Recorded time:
5h23
